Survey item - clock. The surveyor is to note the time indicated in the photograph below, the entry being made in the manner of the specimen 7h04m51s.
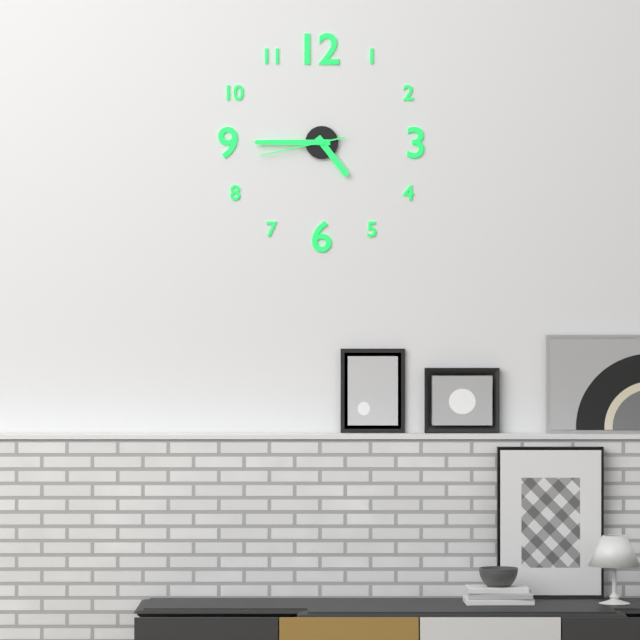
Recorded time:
4h45m43s
